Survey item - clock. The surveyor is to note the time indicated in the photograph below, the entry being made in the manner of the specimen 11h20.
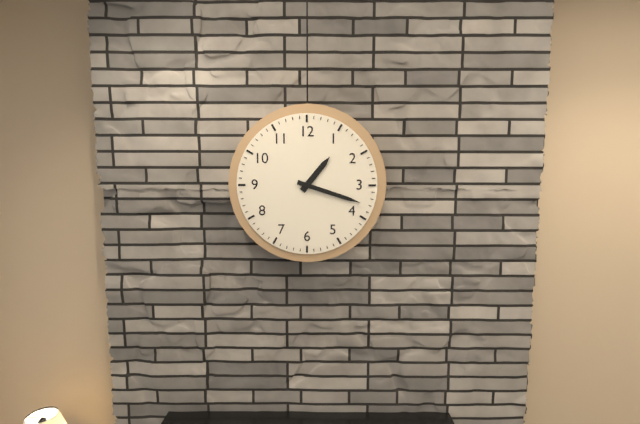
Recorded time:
1h18
